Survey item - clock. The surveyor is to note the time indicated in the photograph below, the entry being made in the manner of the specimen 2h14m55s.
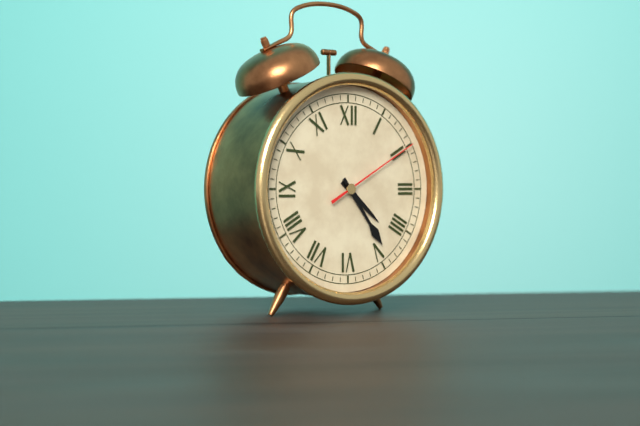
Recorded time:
4h24m10s
